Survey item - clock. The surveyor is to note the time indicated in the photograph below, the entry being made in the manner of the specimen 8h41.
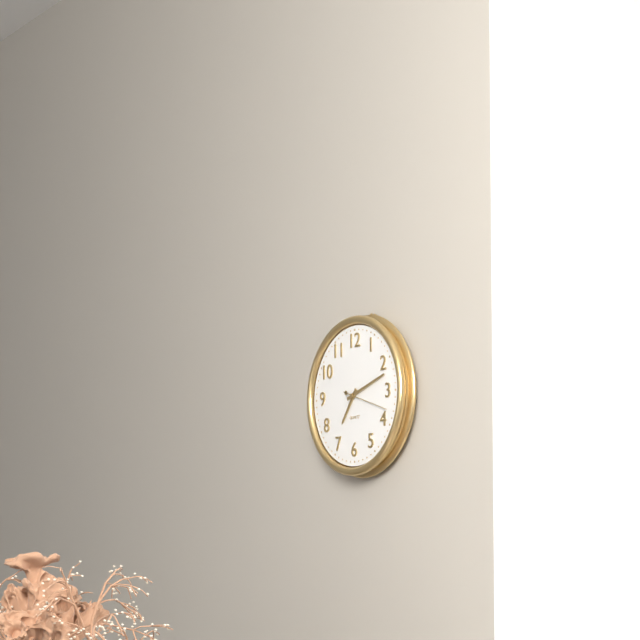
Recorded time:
7h12
